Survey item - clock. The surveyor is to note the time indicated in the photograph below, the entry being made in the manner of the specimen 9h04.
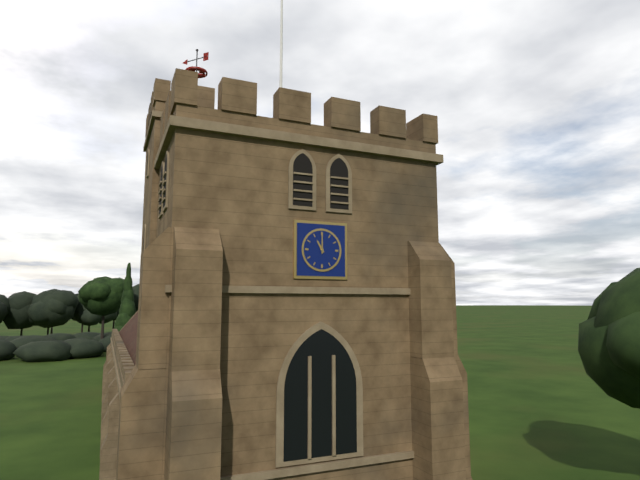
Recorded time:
11h00
